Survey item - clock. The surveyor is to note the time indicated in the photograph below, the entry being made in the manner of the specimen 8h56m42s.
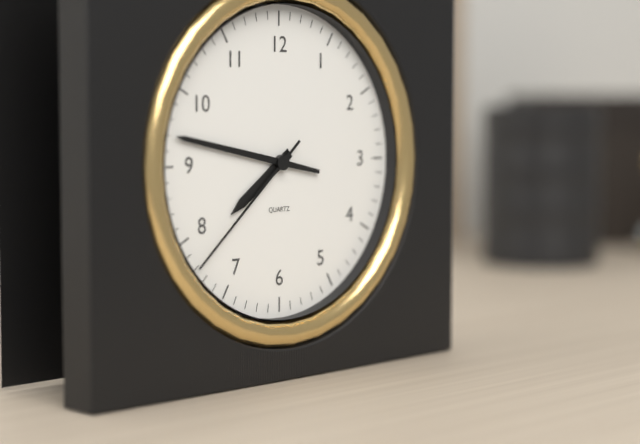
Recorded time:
7h47m38s
